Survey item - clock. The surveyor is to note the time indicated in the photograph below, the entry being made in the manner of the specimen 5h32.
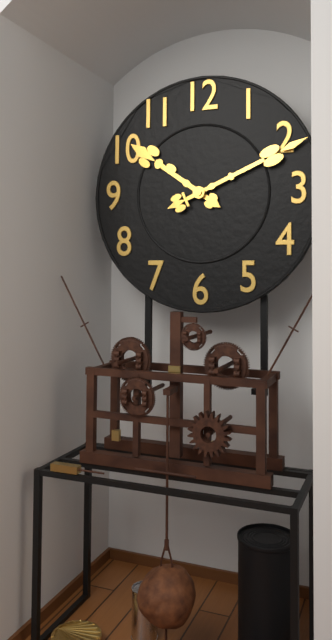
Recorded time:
10h11
